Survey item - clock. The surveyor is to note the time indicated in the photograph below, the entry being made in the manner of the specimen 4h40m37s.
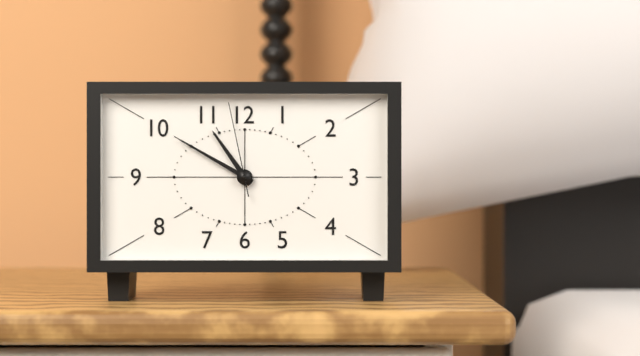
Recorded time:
10h50m58s
